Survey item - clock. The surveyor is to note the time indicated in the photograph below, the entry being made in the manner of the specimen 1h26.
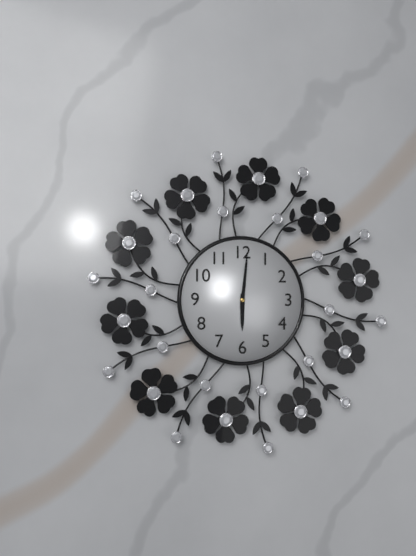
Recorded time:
6h01
